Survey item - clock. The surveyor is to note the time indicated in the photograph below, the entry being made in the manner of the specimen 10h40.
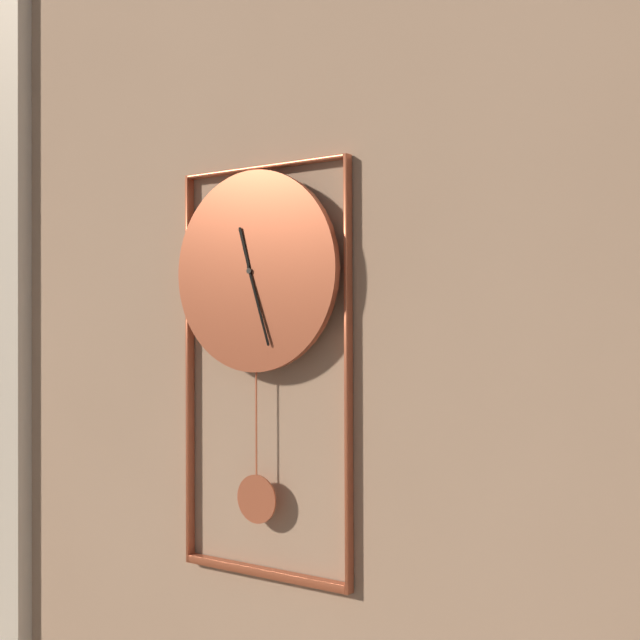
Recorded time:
11h27
